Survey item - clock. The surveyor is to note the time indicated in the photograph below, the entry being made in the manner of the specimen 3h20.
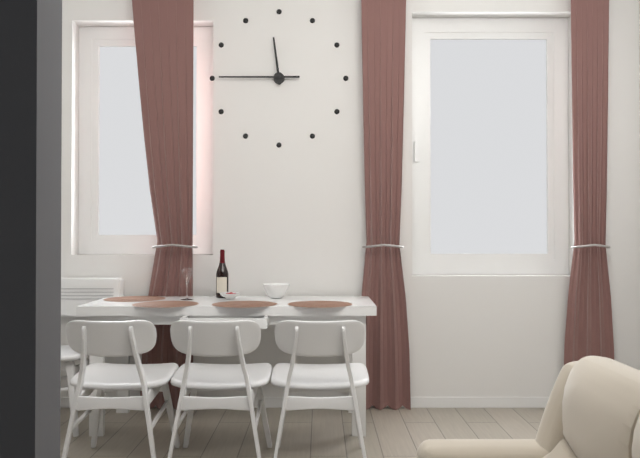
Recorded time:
11h45
